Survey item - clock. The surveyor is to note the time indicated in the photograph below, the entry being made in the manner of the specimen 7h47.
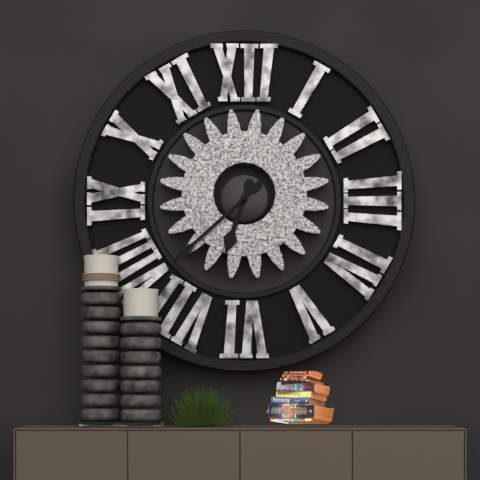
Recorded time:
6h38
